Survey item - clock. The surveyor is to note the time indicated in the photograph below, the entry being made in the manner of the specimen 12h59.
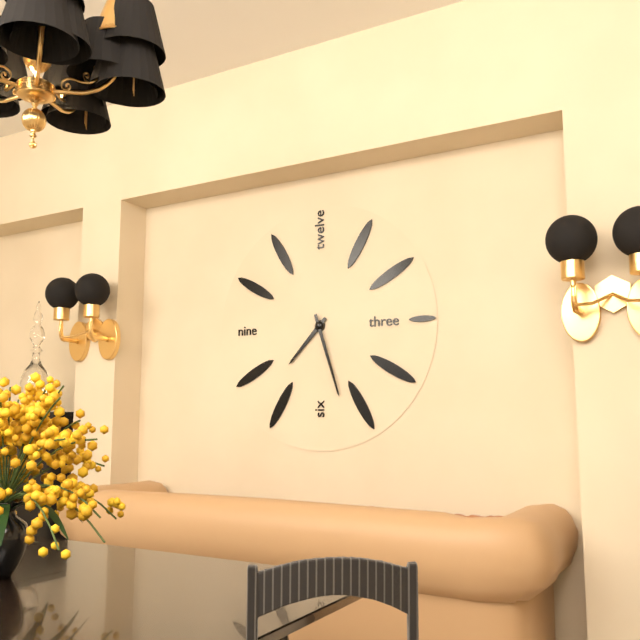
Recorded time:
7h27
